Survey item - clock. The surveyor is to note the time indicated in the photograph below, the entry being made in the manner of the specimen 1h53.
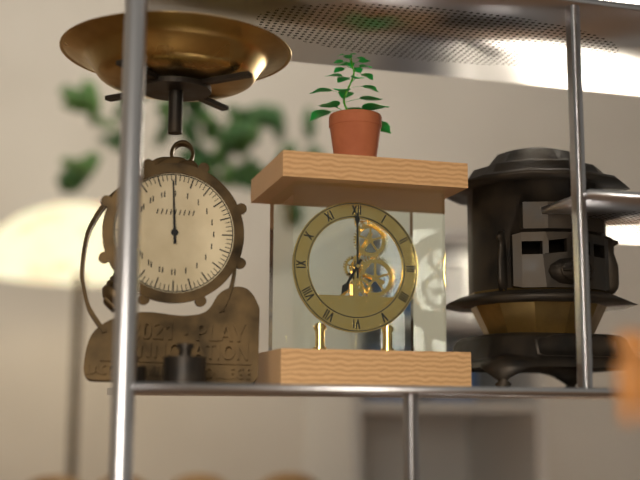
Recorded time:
7h00
